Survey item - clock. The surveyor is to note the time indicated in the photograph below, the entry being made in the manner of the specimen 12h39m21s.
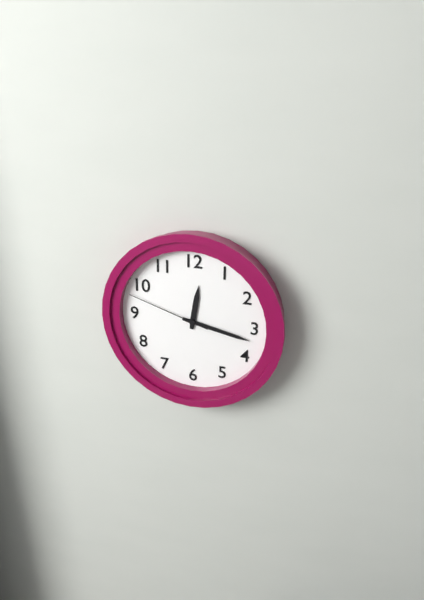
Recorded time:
12h17m48s
